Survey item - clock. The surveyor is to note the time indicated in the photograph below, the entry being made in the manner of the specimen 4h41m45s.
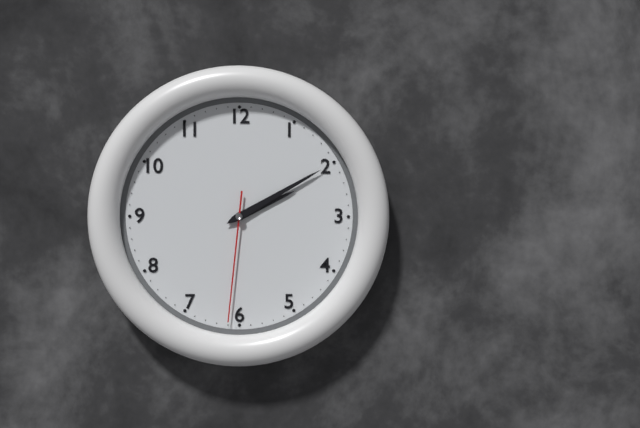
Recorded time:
2h10m31s
